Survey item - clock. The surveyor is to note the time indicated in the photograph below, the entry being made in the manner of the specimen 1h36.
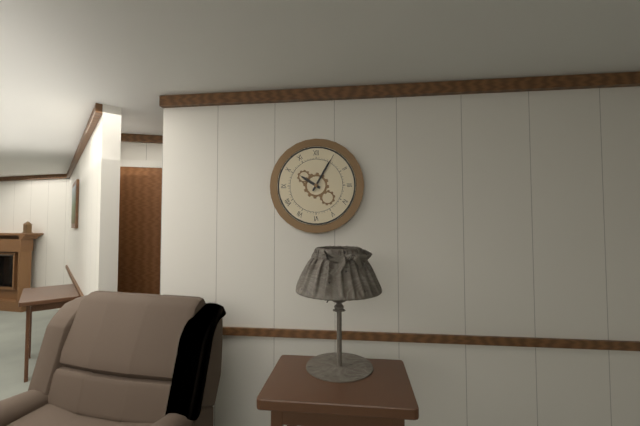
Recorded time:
10h05
